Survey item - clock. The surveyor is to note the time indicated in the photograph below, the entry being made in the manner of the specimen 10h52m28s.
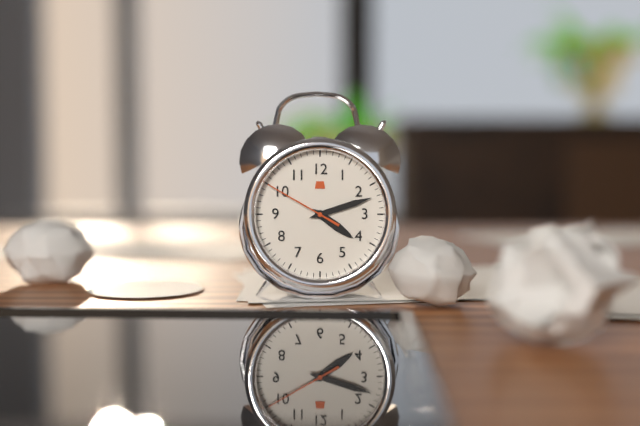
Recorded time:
4h12m50s
